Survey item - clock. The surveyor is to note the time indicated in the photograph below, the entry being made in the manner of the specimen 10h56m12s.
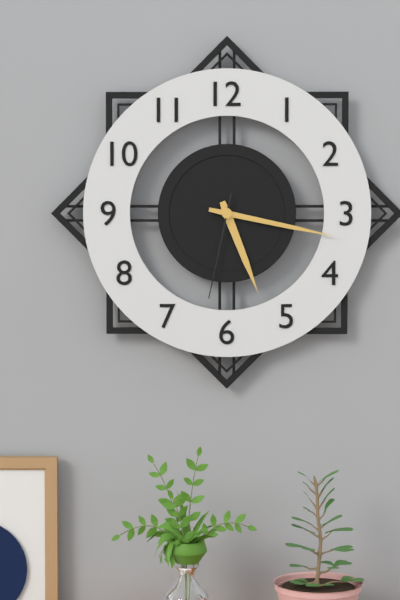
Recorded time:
5h17m32s
